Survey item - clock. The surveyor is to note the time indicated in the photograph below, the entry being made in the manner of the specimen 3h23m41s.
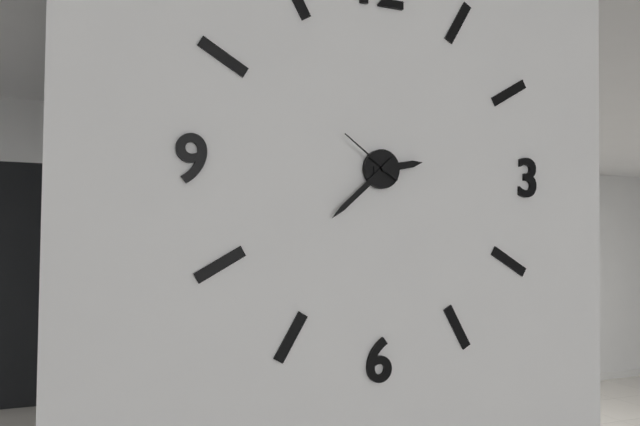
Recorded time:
2h38m51s
